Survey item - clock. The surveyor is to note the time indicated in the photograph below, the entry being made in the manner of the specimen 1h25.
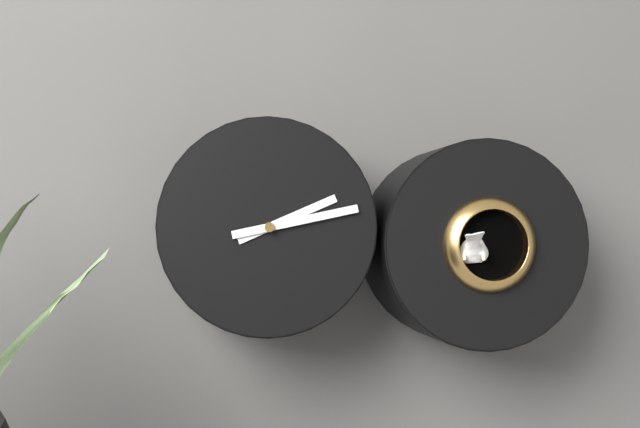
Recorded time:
2h13
